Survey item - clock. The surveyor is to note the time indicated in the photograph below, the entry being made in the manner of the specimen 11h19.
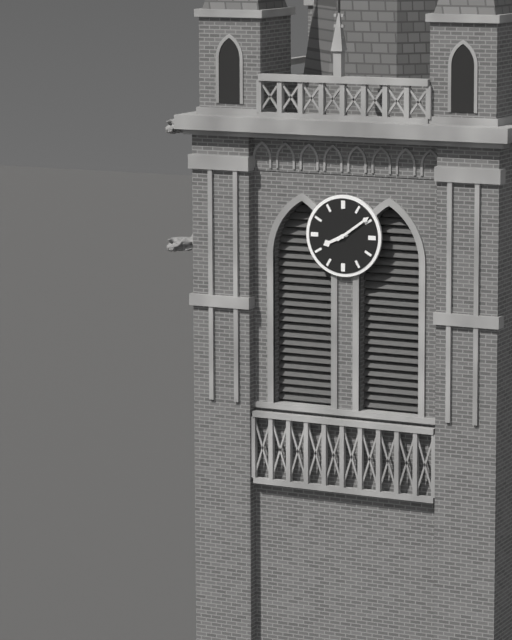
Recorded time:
8h09
